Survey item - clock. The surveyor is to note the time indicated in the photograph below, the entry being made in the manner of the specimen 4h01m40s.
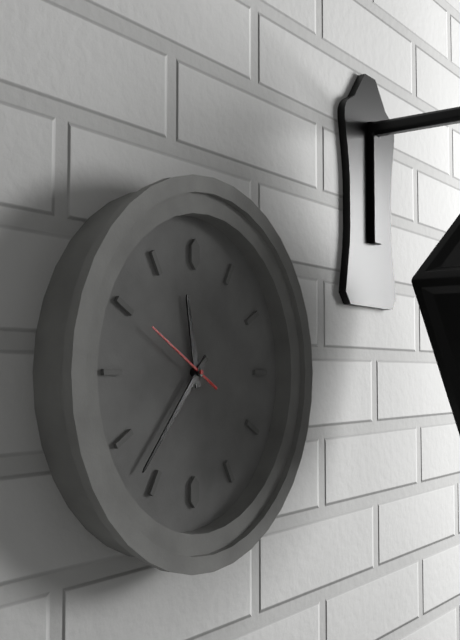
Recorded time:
11h37m50s
